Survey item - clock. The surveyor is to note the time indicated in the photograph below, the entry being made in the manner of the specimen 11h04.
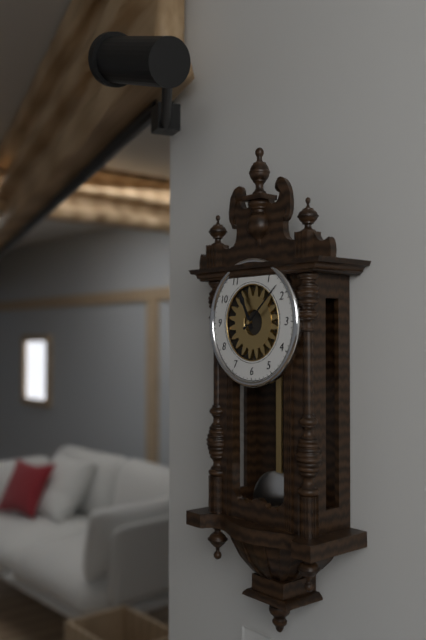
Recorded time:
11h08
